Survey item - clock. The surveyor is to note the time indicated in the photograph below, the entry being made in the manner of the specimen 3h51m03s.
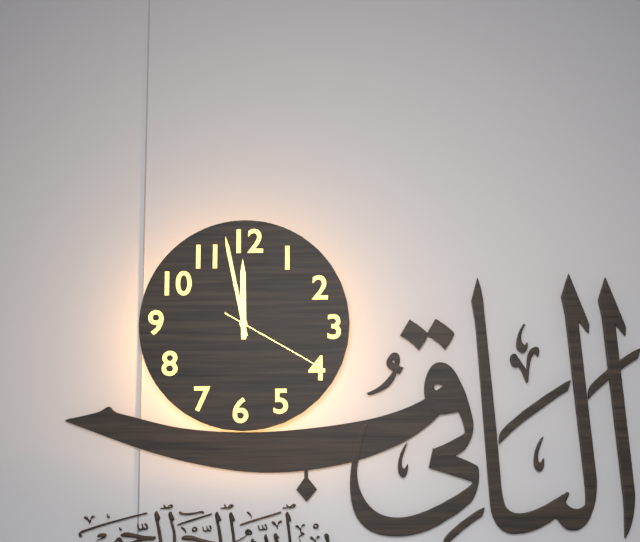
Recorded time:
11h58m20s
